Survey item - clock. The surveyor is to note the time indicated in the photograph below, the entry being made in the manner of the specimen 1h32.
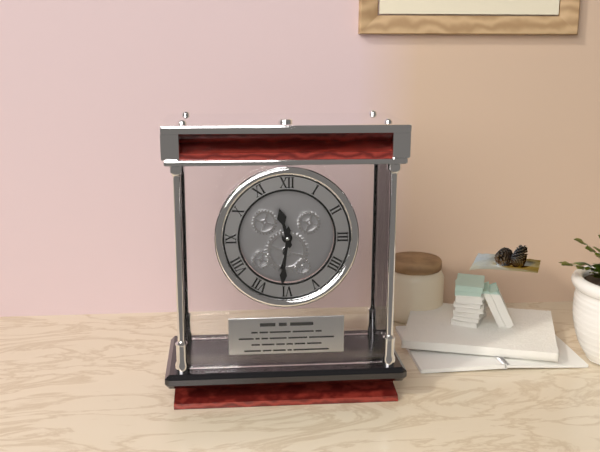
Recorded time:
11h31
